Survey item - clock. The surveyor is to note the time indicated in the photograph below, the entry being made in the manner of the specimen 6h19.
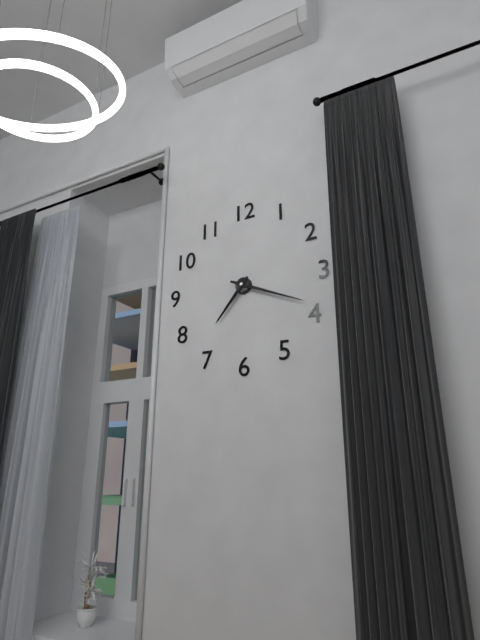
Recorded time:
7h19
